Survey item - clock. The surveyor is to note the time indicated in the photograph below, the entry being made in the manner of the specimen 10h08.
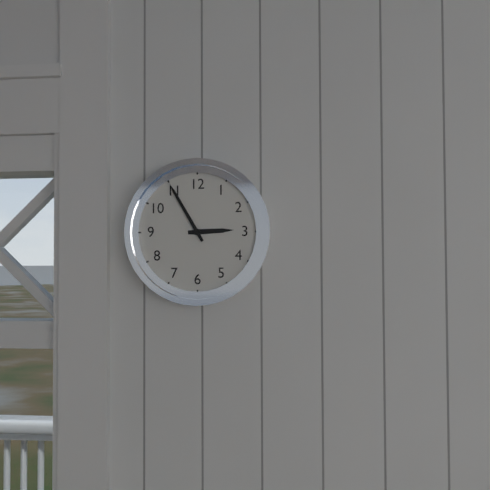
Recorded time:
2h55
